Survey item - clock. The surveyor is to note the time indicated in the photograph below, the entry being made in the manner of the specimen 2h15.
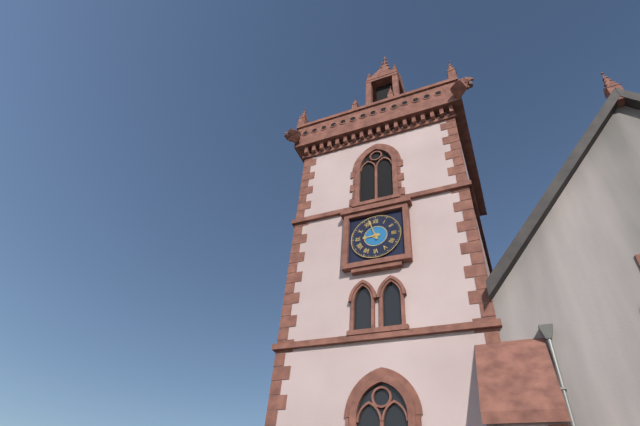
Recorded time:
8h57
